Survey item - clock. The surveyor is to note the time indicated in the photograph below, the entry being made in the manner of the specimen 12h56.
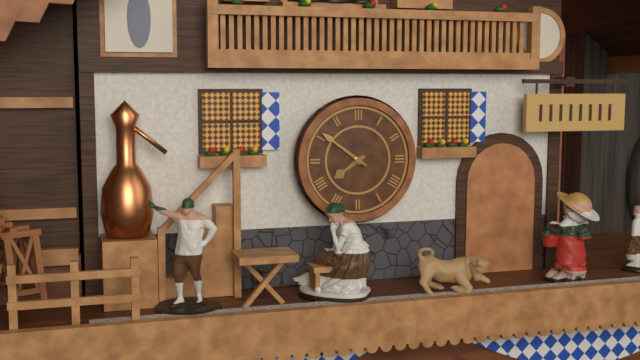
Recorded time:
7h51
